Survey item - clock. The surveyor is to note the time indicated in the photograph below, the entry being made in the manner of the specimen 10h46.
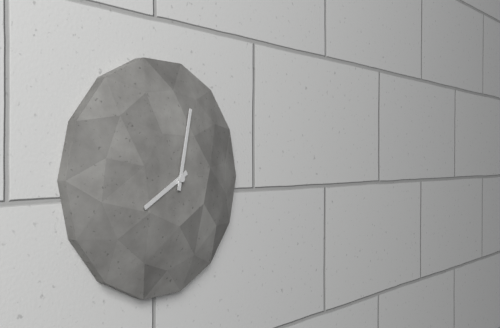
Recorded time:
8h02
